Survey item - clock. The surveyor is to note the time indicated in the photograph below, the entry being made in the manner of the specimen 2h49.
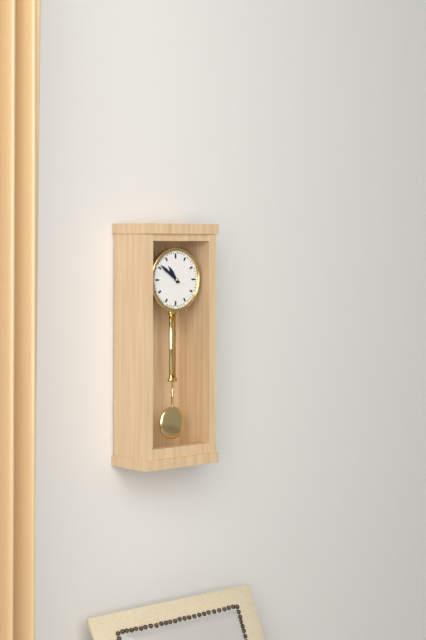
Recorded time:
10h51
